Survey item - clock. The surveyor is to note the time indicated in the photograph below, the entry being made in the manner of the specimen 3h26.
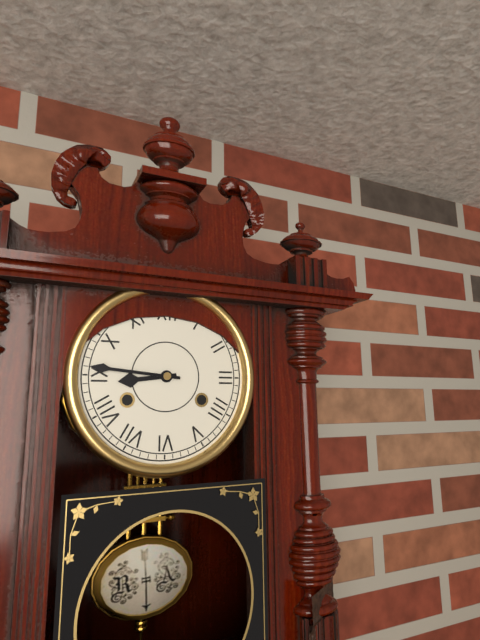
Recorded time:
8h46
